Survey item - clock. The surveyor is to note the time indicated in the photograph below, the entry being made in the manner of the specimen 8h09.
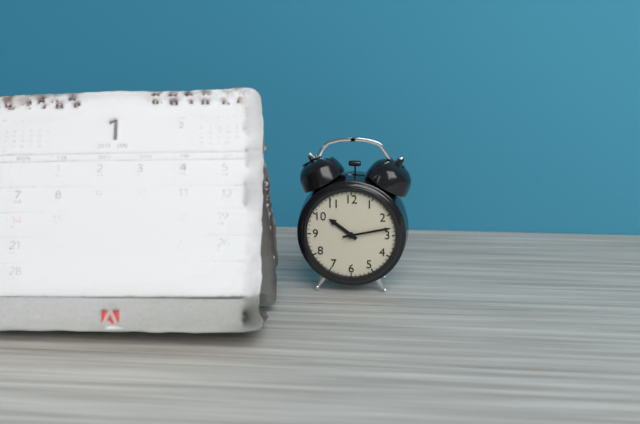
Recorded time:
10h13
